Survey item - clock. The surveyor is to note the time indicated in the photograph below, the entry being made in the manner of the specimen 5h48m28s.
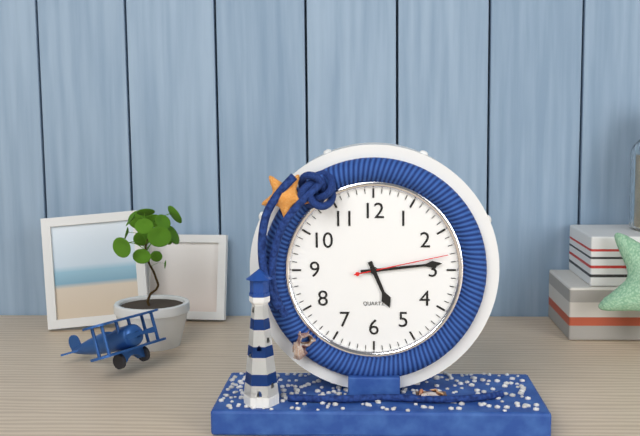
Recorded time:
5h14m13s
